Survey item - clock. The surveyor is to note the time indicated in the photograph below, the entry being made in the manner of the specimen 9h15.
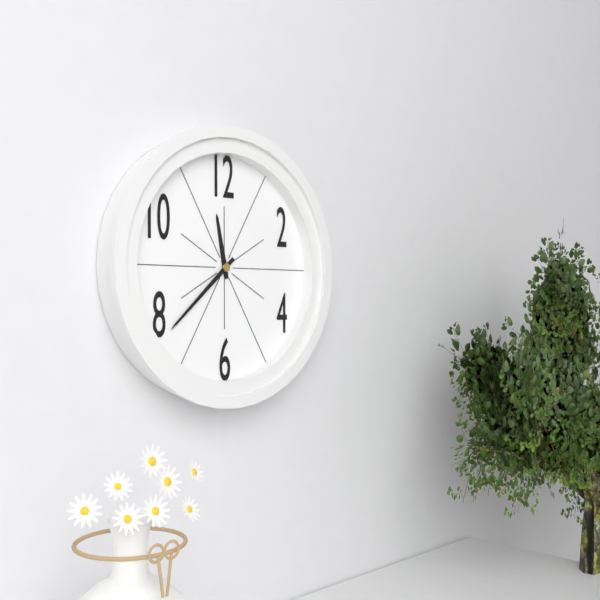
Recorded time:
11h38
